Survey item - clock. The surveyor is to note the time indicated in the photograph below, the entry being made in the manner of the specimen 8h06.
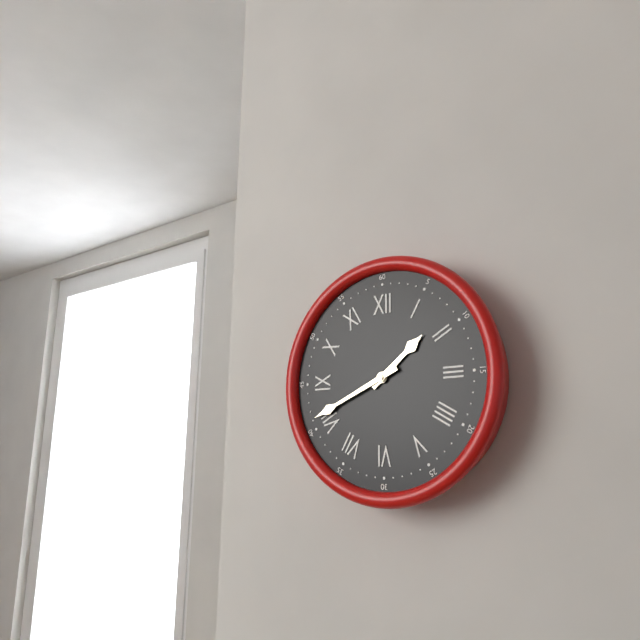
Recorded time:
1h41
